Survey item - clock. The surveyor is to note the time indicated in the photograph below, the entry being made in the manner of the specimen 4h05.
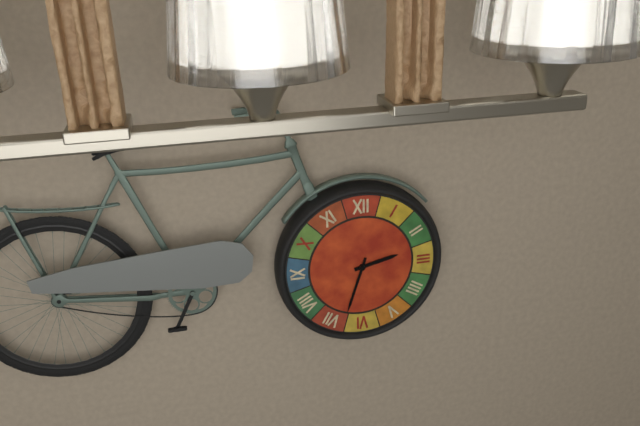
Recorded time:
2h33
